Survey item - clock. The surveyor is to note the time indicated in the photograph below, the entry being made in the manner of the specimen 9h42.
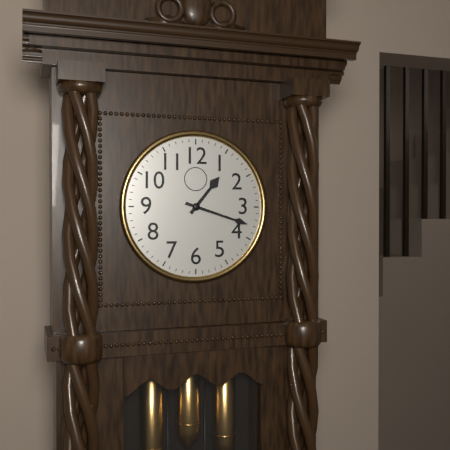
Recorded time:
1h18
